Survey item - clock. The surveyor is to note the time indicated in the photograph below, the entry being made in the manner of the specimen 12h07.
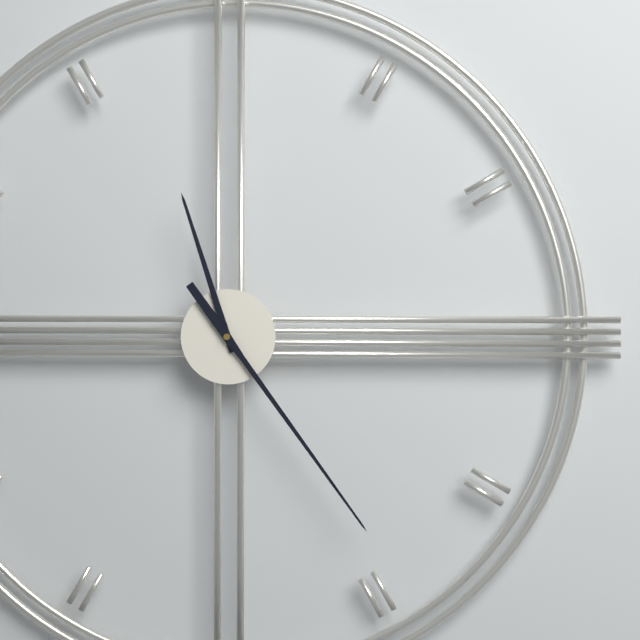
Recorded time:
11h24
